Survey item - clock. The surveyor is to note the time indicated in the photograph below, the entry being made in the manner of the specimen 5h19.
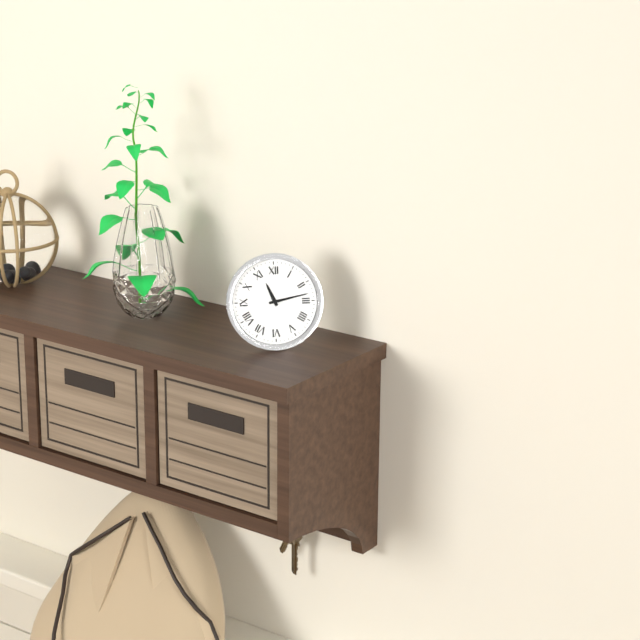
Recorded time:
11h13
